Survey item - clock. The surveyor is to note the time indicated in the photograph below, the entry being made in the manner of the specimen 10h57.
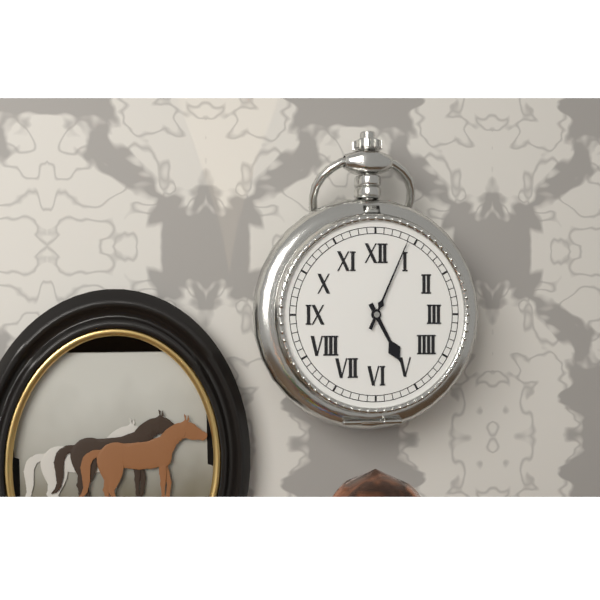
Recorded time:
5h04
